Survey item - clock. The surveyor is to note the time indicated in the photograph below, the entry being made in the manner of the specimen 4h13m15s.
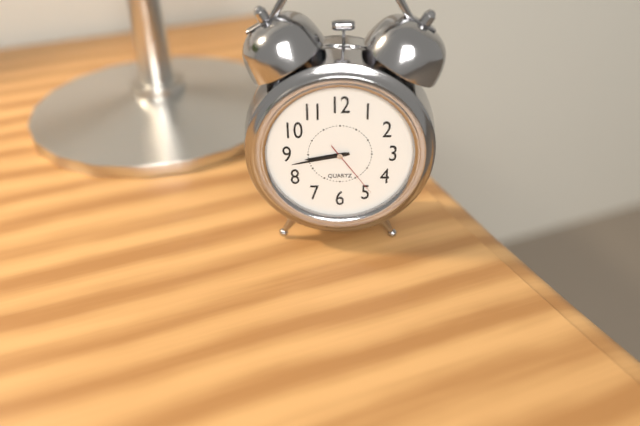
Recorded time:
8h43m24s
